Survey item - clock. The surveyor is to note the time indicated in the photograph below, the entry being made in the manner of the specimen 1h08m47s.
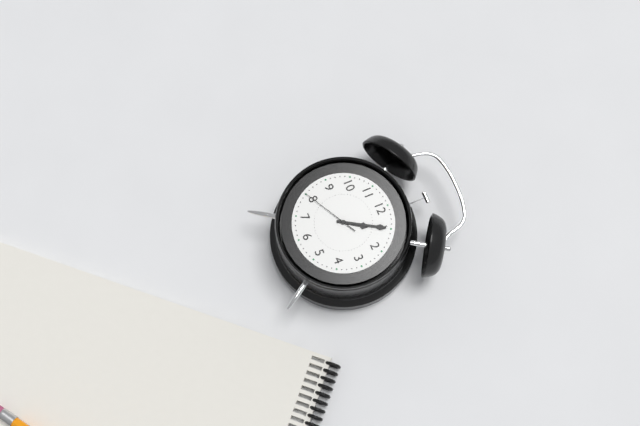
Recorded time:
1h05m40s
